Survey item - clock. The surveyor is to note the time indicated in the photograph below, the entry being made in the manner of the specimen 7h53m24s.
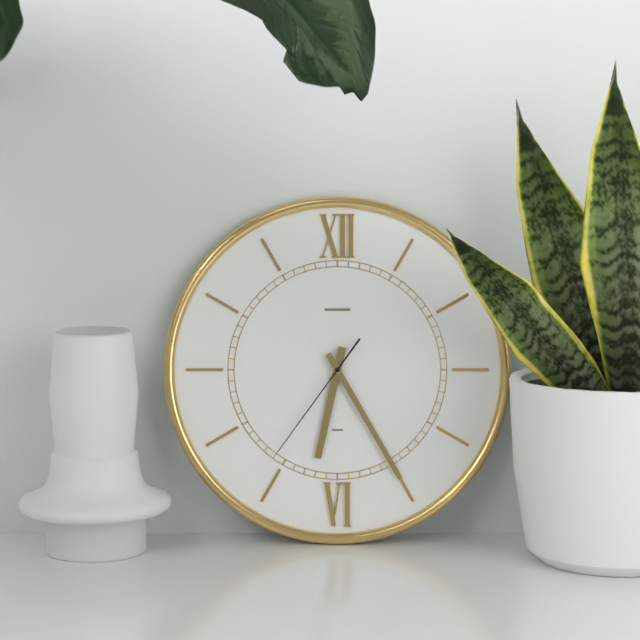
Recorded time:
6h25m36s
